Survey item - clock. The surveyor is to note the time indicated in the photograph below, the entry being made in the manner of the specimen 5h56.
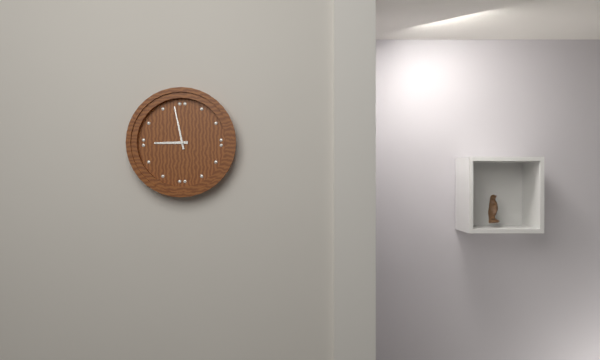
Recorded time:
8h58
